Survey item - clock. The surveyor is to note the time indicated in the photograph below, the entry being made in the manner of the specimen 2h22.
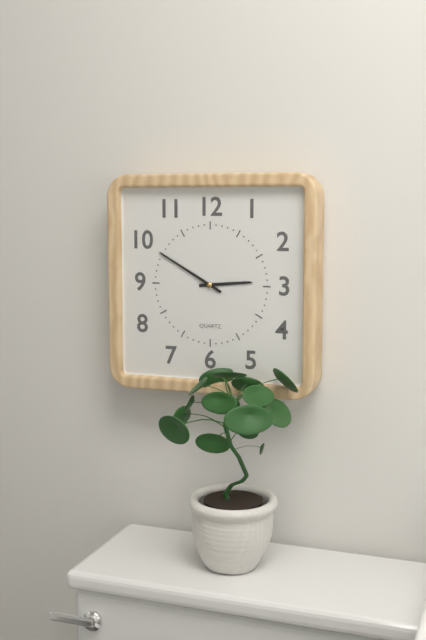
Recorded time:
2h50
